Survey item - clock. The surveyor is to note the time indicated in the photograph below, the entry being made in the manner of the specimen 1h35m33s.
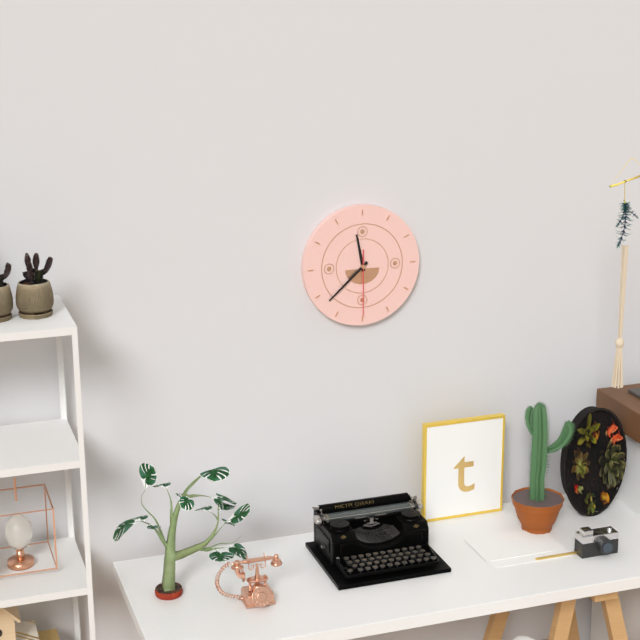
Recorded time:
11h38m30s
